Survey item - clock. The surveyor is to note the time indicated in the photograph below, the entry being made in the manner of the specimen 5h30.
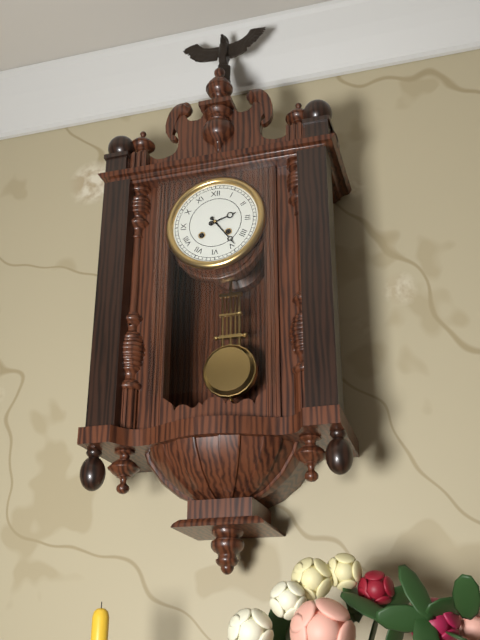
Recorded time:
2h24
